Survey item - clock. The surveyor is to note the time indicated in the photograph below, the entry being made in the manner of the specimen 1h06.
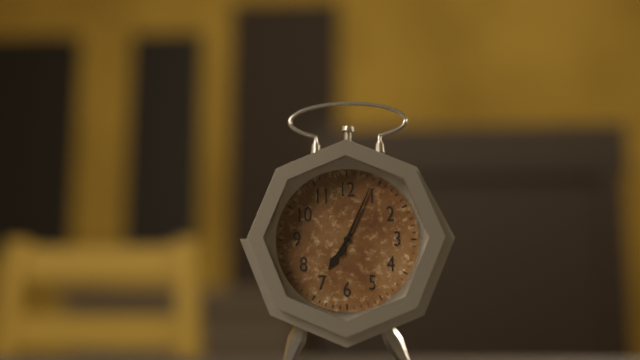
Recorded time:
7h04
